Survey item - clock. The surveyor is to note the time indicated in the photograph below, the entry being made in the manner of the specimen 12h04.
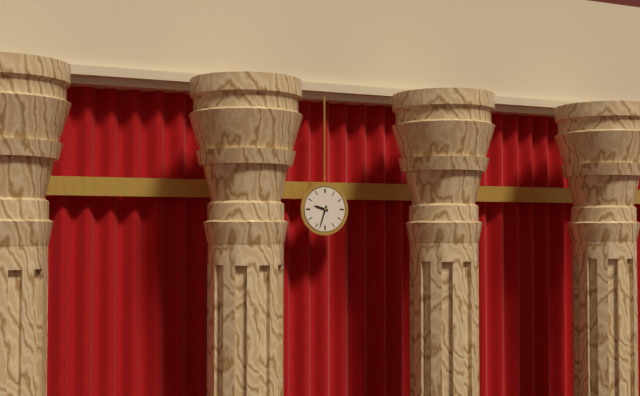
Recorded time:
9h33
